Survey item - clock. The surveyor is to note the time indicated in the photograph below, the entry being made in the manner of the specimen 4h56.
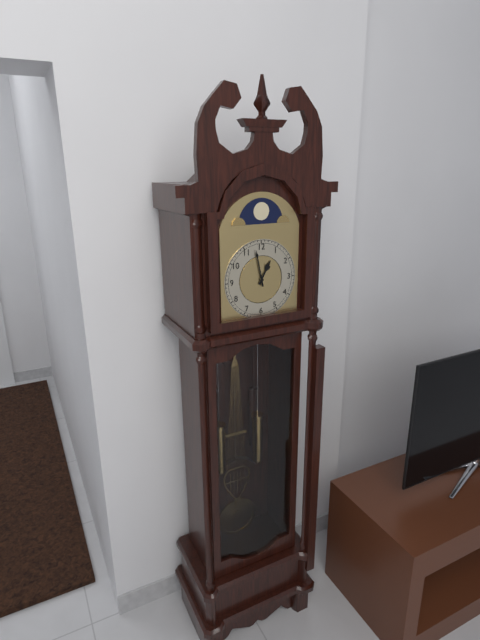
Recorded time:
12h58
